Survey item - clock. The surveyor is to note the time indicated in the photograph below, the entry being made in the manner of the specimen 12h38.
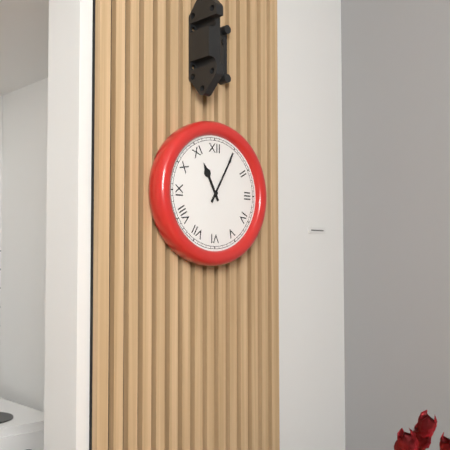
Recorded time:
11h05
